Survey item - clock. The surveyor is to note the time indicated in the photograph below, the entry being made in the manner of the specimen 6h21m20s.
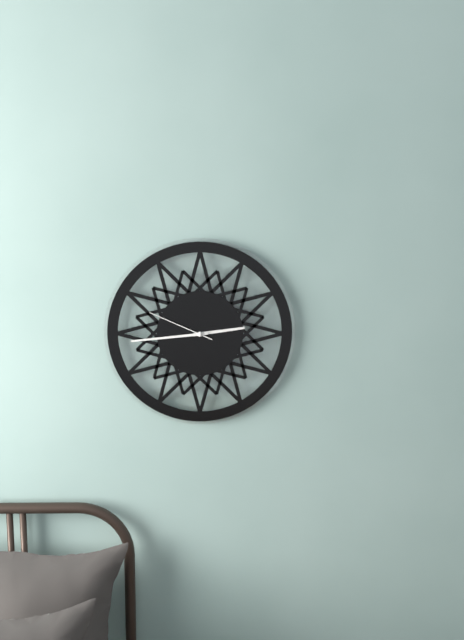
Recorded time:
2h44m49s
